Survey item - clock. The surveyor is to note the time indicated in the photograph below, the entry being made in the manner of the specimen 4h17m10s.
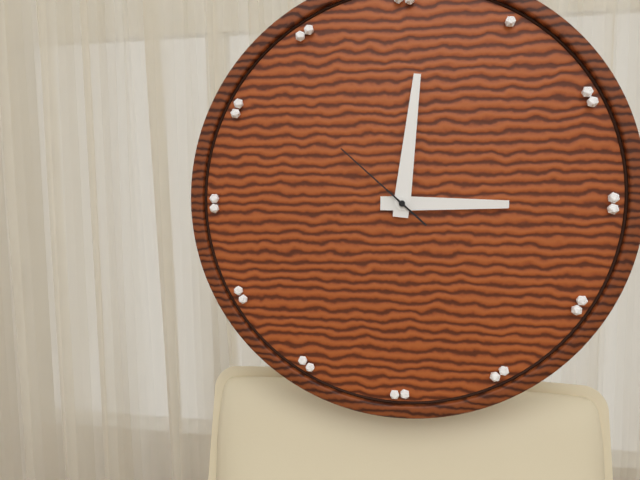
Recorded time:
3h01m52s
